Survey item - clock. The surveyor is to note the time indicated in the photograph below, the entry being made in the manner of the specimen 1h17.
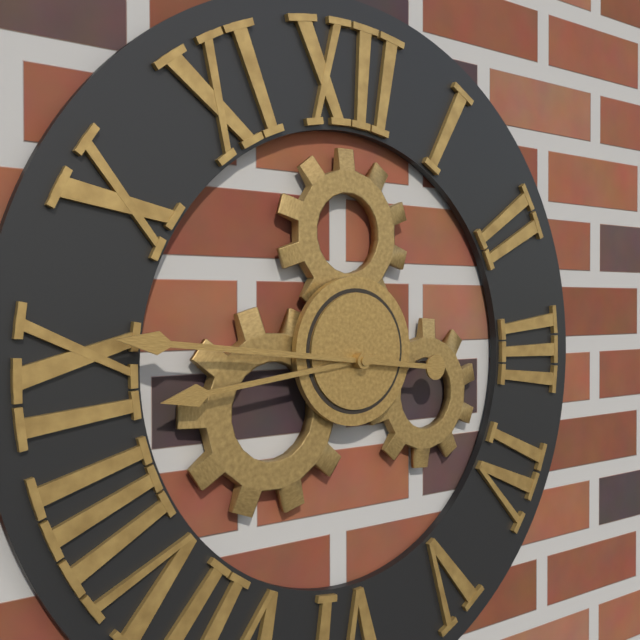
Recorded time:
8h46
